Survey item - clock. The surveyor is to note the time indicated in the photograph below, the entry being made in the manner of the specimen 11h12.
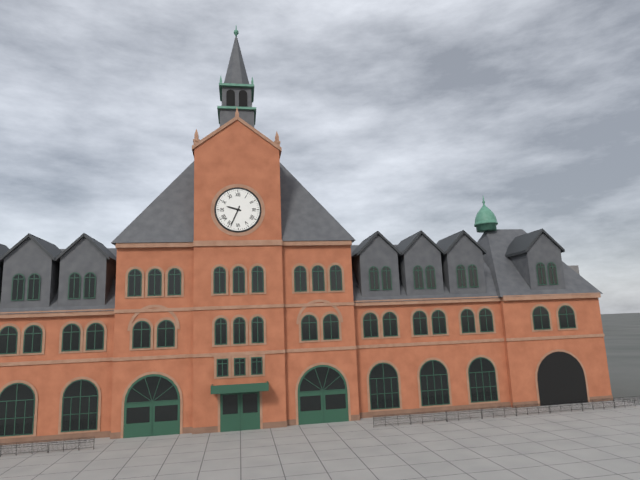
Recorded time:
9h34
